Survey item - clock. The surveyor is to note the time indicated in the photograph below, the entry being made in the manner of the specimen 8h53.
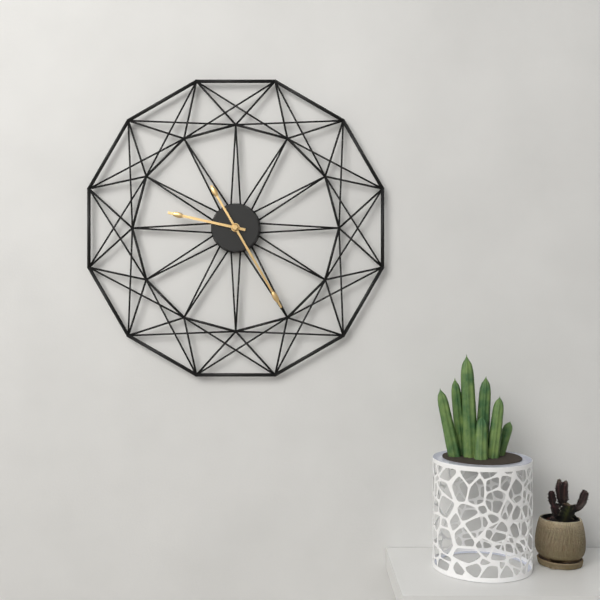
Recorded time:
9h25
